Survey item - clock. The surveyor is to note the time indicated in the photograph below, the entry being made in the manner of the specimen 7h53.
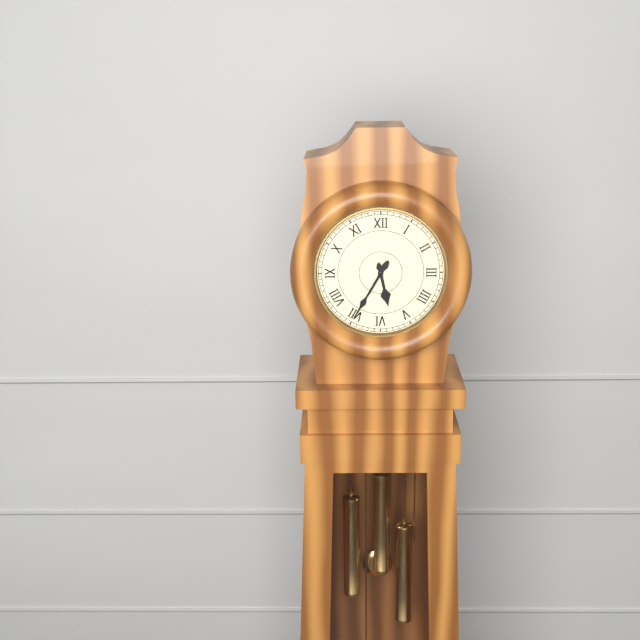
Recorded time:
5h35
